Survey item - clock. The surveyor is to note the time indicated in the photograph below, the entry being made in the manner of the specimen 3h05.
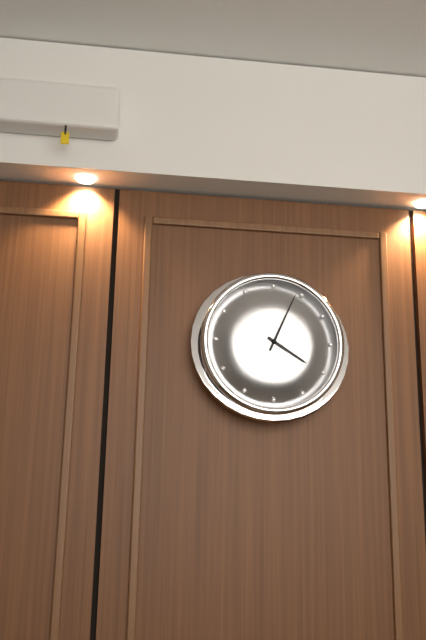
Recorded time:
4h04
